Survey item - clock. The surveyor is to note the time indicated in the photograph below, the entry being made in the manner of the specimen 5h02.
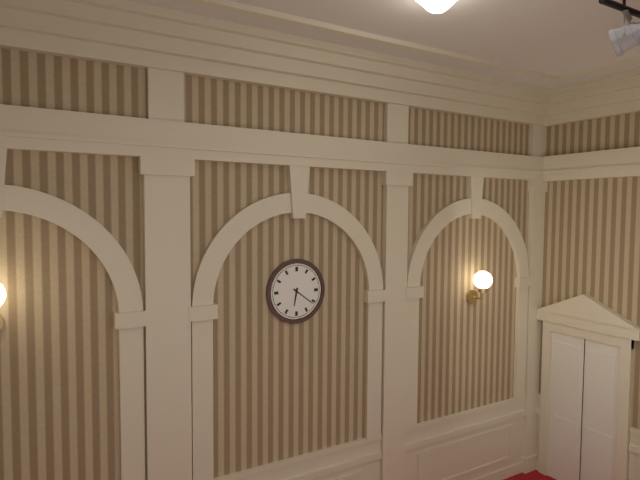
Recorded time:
6h21
